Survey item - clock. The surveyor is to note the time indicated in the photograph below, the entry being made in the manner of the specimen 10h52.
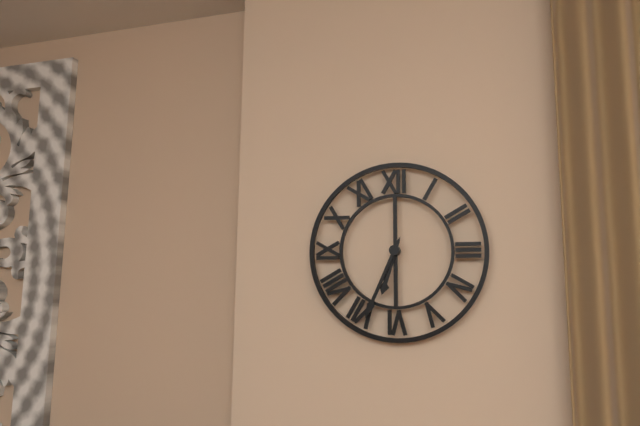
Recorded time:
6h34
